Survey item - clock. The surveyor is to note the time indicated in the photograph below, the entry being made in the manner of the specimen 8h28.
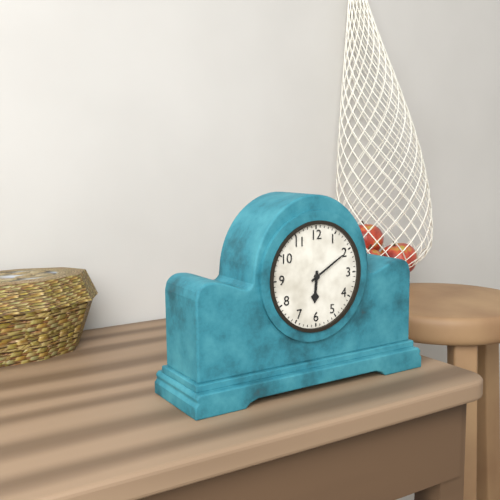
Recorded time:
6h10
